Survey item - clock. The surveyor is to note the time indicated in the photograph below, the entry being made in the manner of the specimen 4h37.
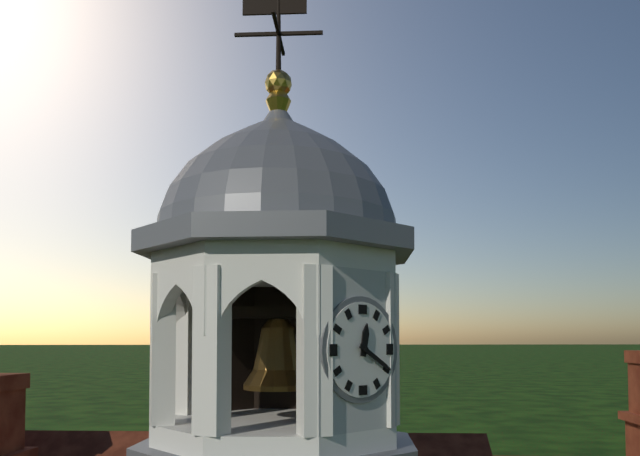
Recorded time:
12h20
